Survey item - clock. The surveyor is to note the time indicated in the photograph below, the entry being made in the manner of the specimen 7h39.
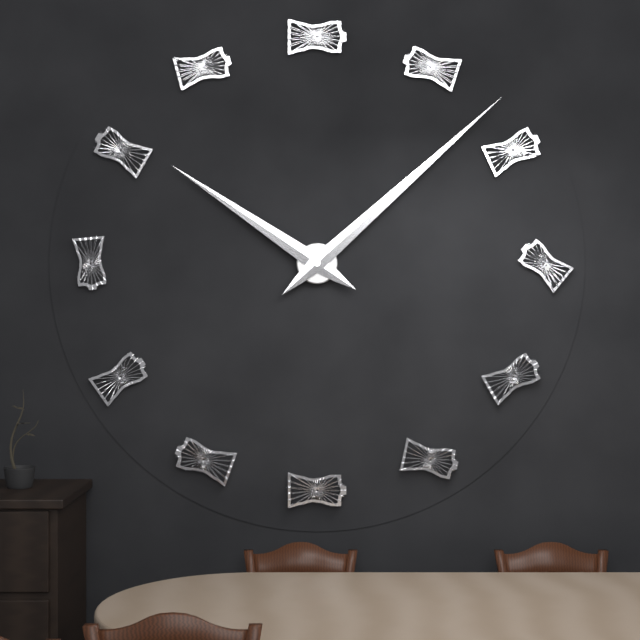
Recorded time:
10h08
